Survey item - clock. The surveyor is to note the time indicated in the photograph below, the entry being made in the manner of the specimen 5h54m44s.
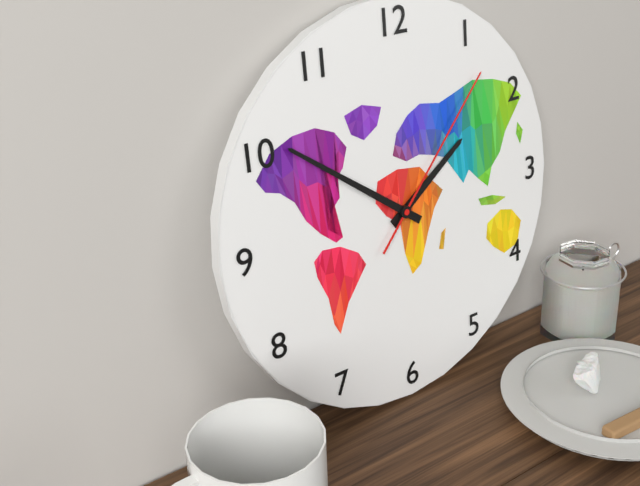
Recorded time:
1h51m07s
